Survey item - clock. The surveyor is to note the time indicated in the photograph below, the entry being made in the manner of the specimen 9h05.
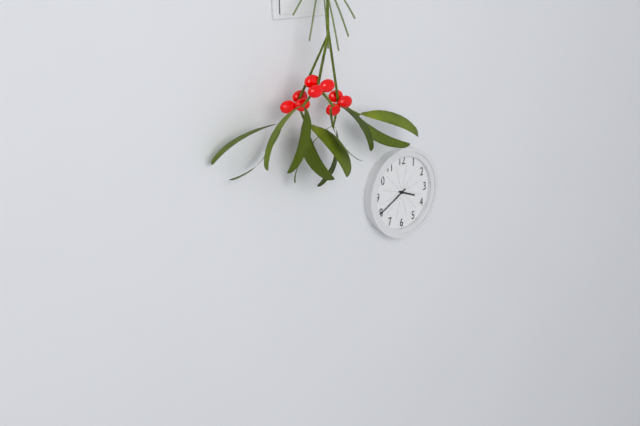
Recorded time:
3h40
